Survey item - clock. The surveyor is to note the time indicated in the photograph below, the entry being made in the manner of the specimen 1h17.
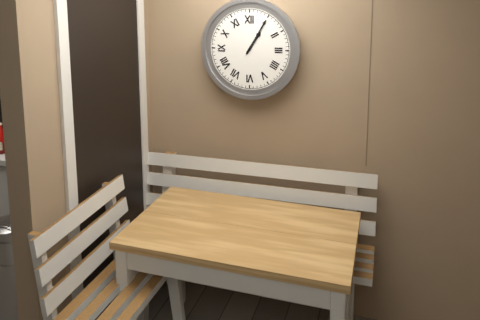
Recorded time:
1h05
